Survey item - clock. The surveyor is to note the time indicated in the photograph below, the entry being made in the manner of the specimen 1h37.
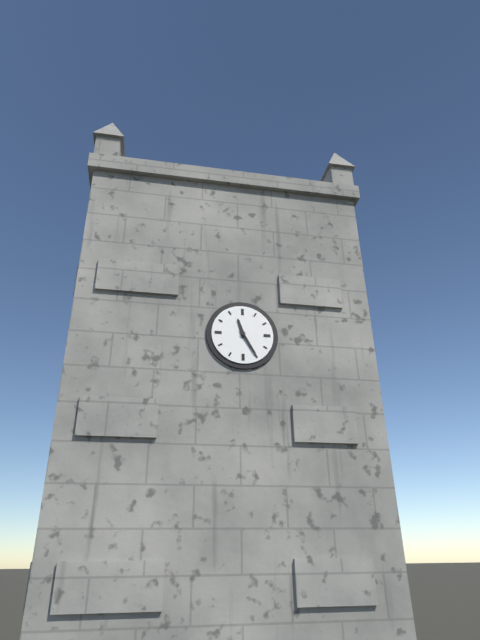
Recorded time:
11h25
